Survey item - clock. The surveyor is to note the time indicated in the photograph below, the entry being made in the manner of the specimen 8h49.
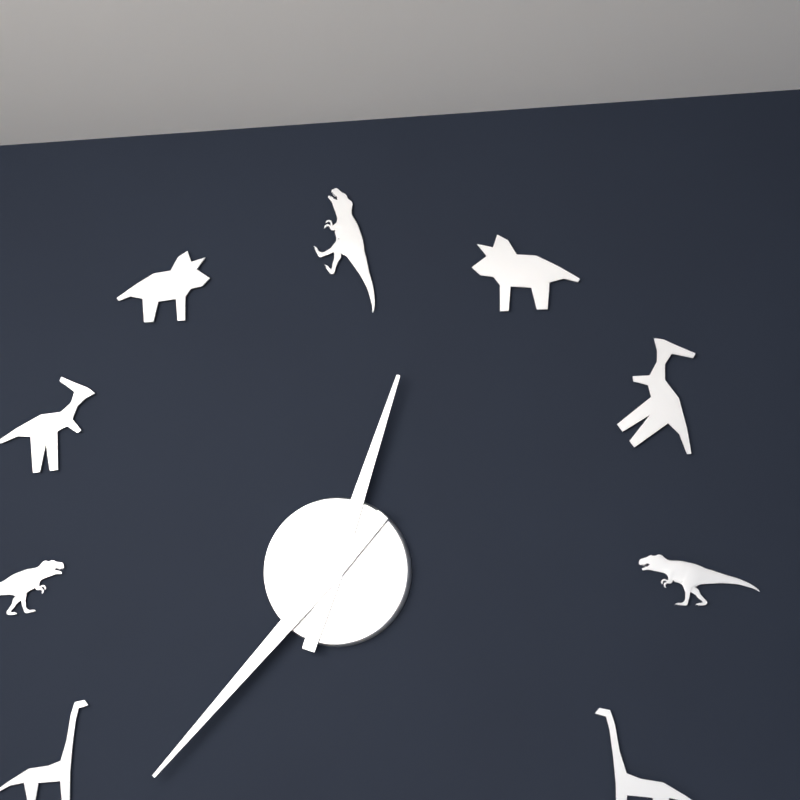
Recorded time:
12h37
